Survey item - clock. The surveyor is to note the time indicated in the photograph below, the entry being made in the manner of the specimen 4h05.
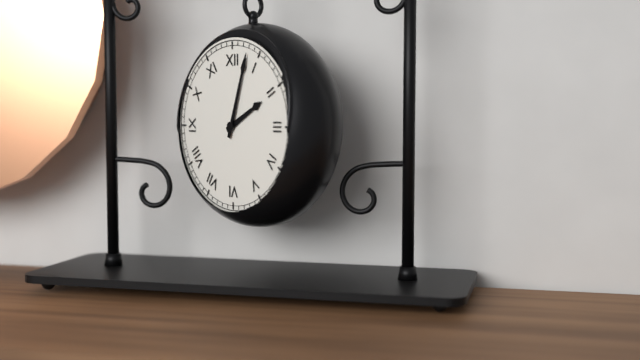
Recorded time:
2h03
